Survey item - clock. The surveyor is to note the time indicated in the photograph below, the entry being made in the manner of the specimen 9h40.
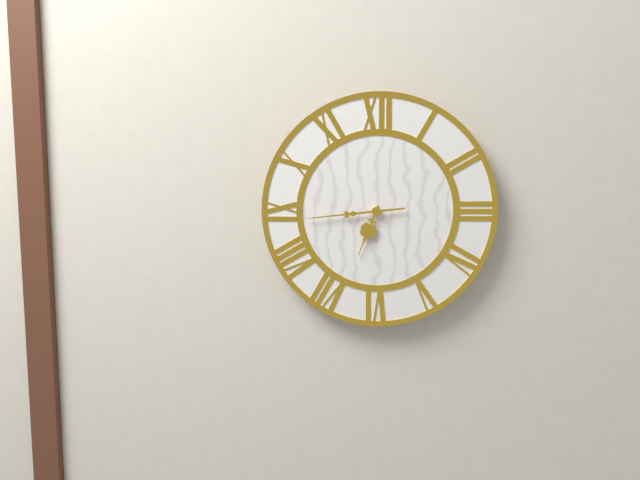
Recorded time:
6h44
